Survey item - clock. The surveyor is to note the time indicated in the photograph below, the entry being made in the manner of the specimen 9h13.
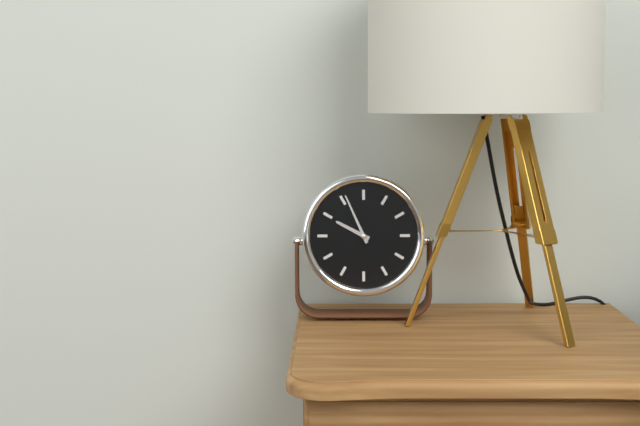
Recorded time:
9h56
